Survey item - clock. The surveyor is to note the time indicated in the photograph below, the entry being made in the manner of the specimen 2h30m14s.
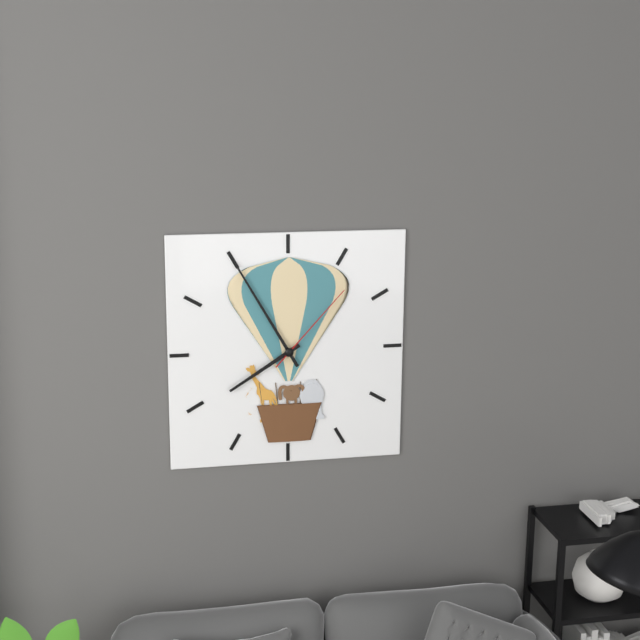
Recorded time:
7h55m07s
